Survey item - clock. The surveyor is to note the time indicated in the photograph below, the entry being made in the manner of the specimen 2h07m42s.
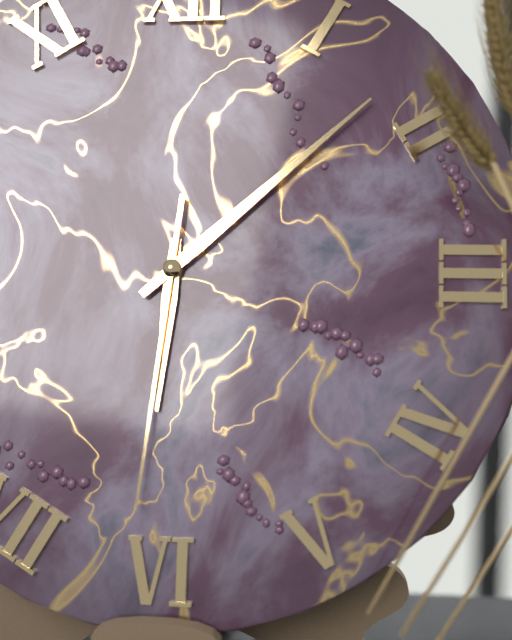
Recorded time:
6h08m31s
